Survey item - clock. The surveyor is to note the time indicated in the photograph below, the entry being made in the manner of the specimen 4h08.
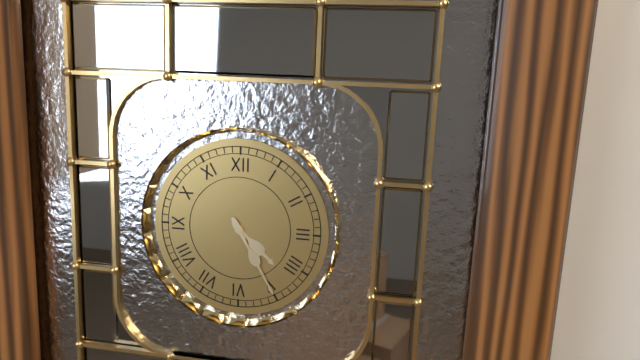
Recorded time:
4h25
